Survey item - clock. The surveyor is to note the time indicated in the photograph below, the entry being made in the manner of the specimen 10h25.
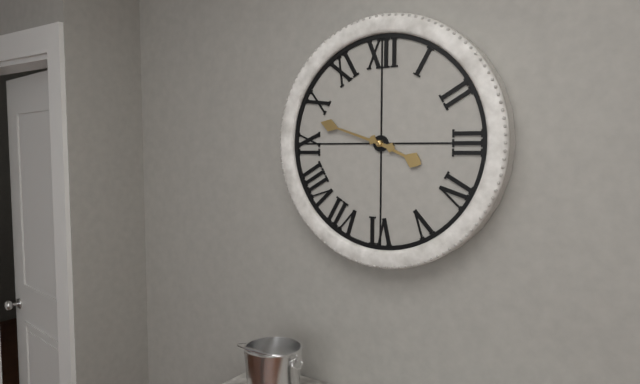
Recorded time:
3h48
